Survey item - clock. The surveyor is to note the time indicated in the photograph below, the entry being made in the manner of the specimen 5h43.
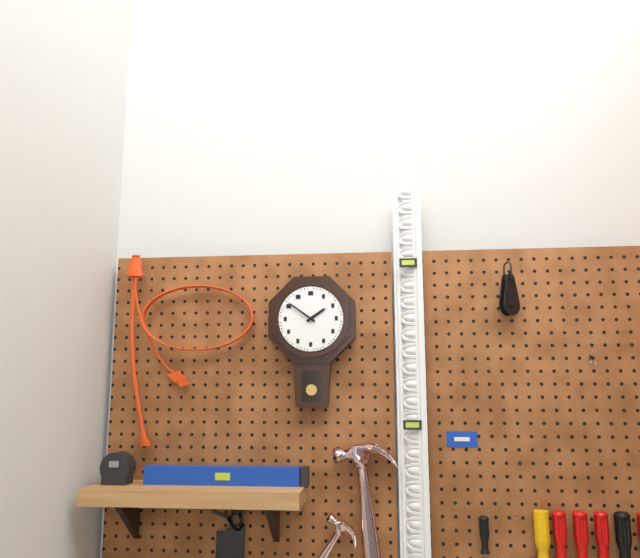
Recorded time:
1h51
